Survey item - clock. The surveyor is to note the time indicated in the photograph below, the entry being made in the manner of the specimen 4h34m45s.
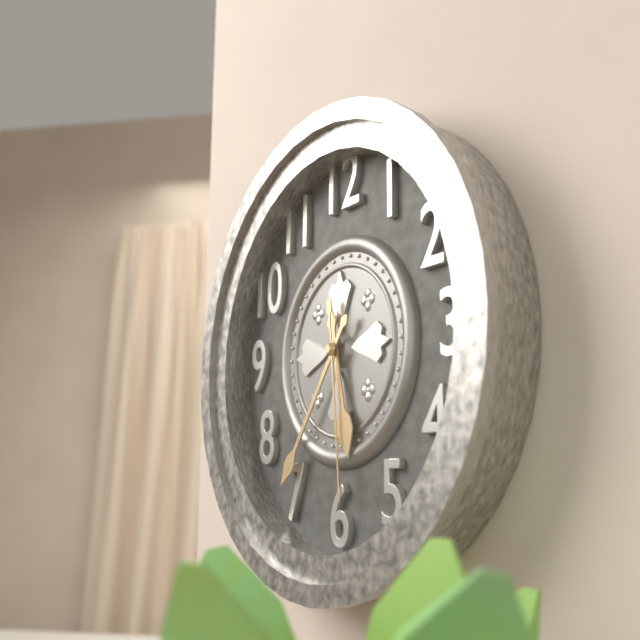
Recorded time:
5h36m29s
